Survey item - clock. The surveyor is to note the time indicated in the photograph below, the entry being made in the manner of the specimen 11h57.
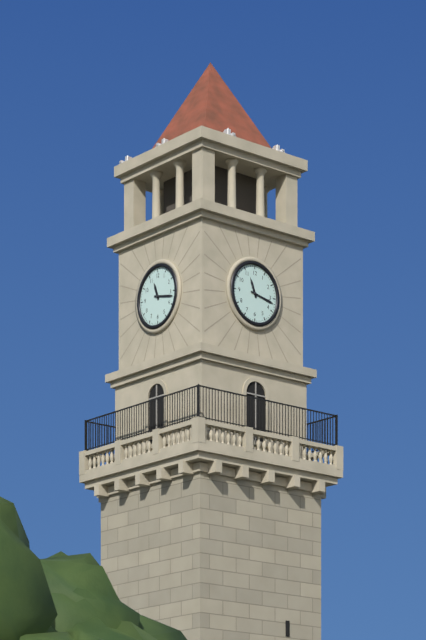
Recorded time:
11h17
